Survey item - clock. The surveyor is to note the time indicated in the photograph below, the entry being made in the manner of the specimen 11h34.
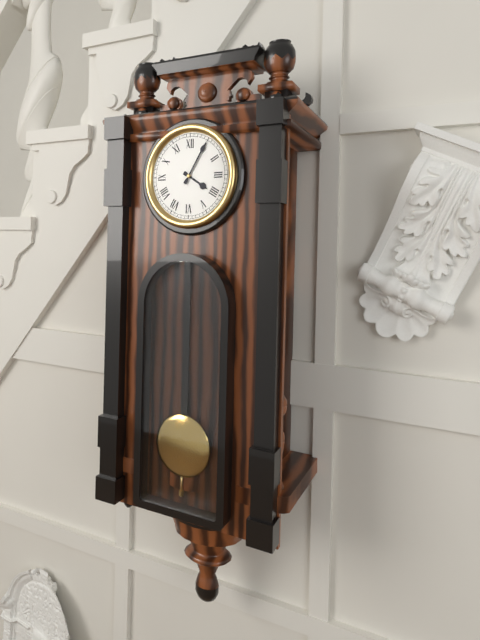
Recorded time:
4h05
